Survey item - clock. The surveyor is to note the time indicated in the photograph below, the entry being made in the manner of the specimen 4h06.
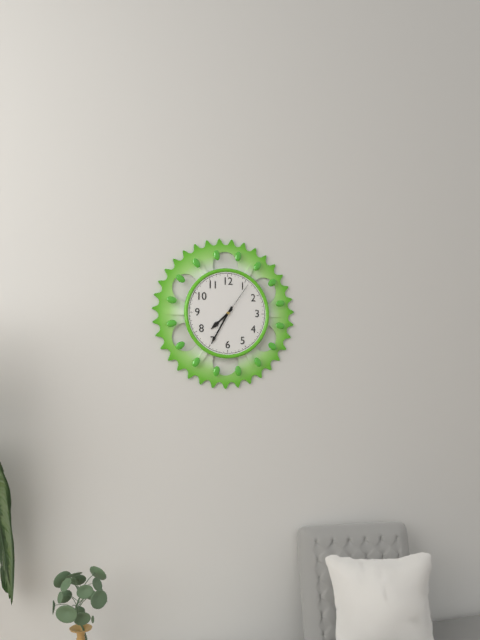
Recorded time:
7h35
